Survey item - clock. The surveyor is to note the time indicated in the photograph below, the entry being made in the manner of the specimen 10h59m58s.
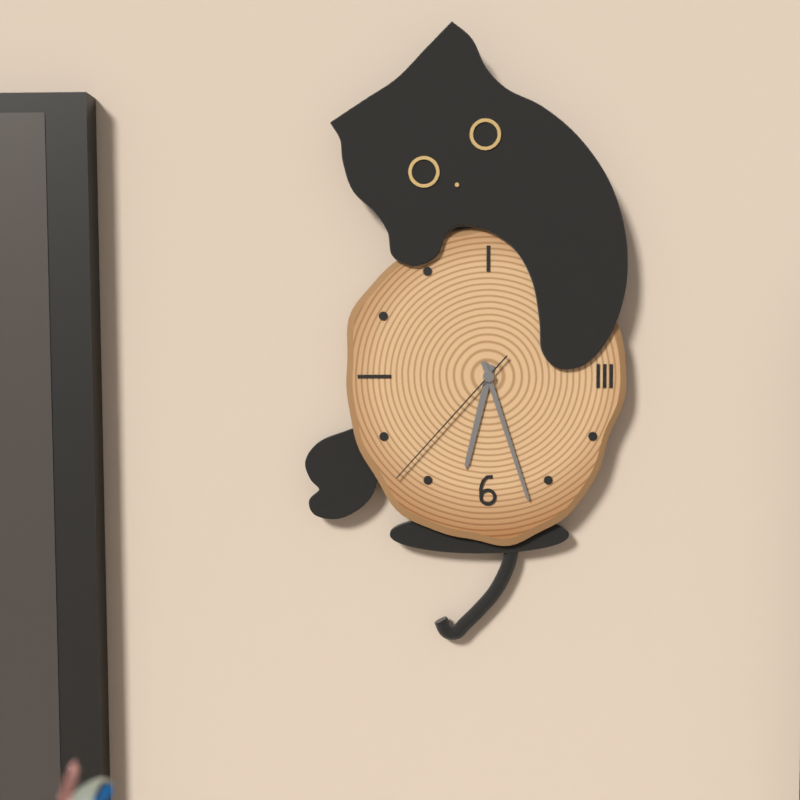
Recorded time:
6h27m37s
